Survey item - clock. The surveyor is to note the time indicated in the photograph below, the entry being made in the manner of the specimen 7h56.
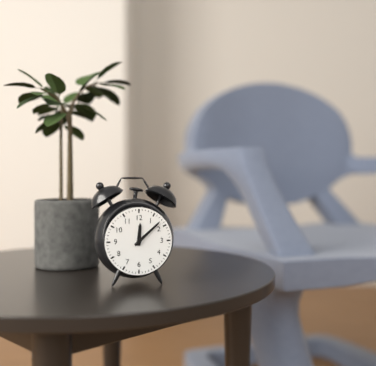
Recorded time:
12h08
